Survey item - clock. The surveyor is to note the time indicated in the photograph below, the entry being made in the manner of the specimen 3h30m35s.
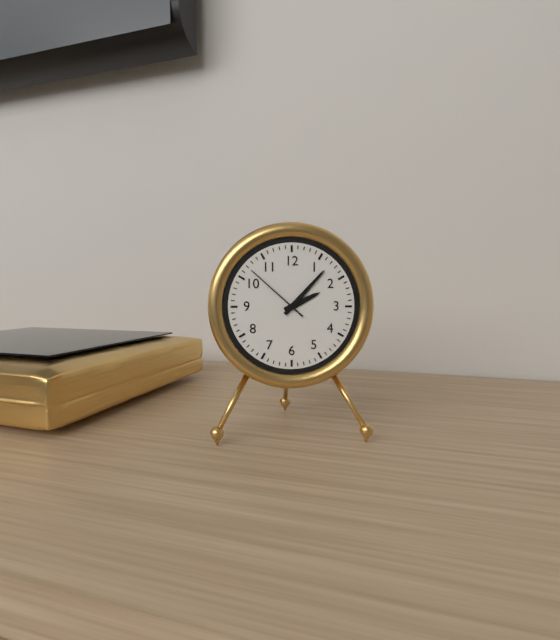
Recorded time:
2h07m52s
